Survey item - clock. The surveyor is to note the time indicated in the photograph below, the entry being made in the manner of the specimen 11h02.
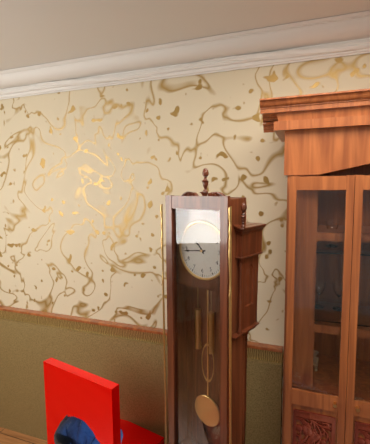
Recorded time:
10h44
